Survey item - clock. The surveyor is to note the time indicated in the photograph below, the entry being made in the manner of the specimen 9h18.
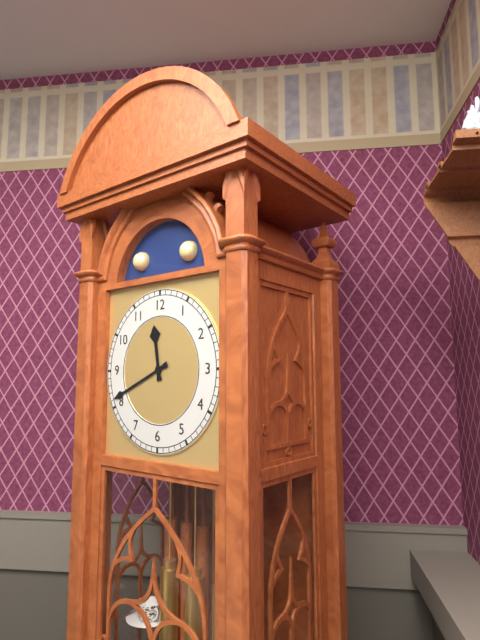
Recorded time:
11h41
